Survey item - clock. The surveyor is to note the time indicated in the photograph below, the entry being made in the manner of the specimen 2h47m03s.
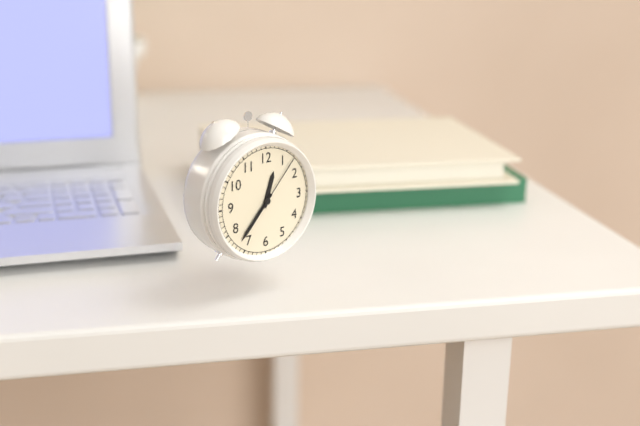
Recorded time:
12h37m07s
